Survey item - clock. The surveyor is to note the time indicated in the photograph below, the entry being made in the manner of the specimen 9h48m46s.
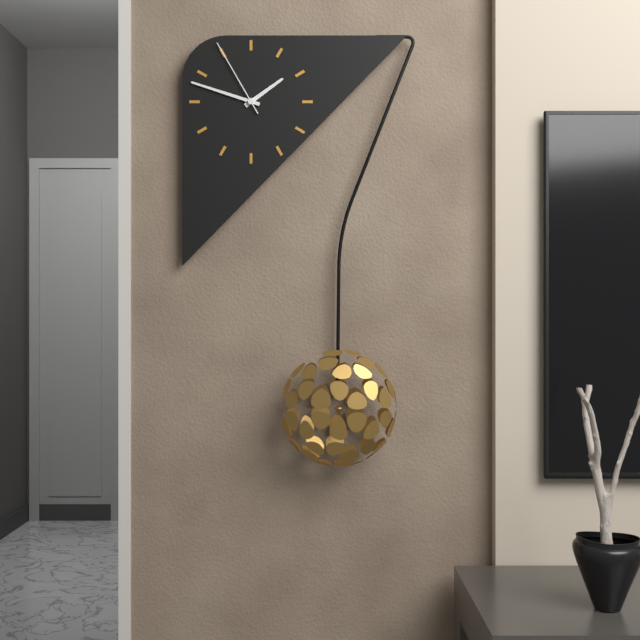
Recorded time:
1h48m55s
